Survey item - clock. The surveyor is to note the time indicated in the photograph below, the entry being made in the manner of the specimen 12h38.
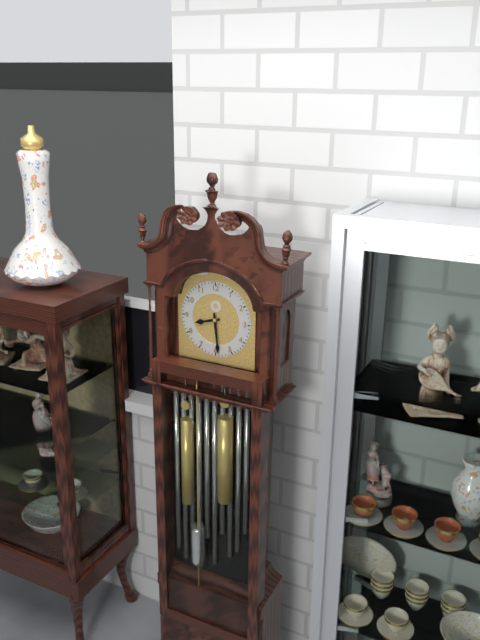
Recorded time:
8h29
